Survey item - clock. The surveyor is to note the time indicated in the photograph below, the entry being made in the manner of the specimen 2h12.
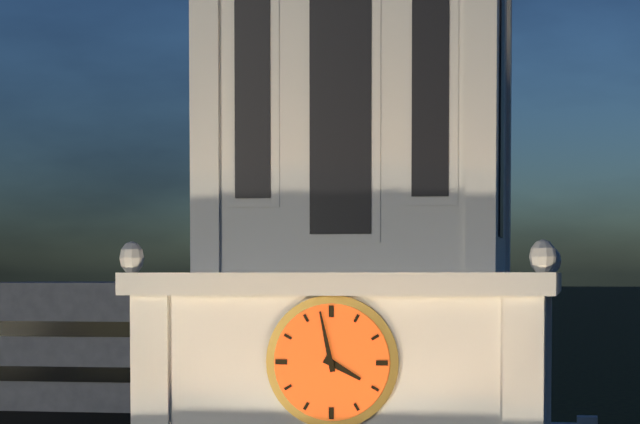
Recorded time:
3h58
